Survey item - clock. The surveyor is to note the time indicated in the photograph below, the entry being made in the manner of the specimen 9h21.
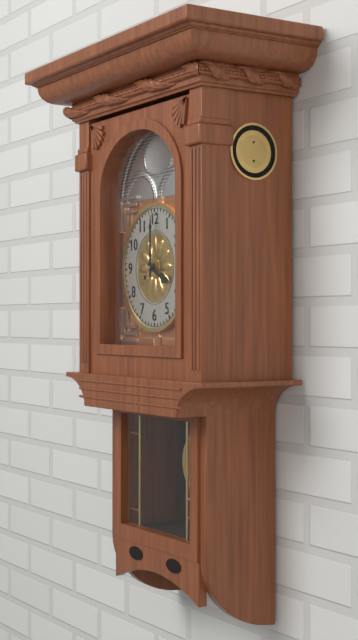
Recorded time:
4h00
